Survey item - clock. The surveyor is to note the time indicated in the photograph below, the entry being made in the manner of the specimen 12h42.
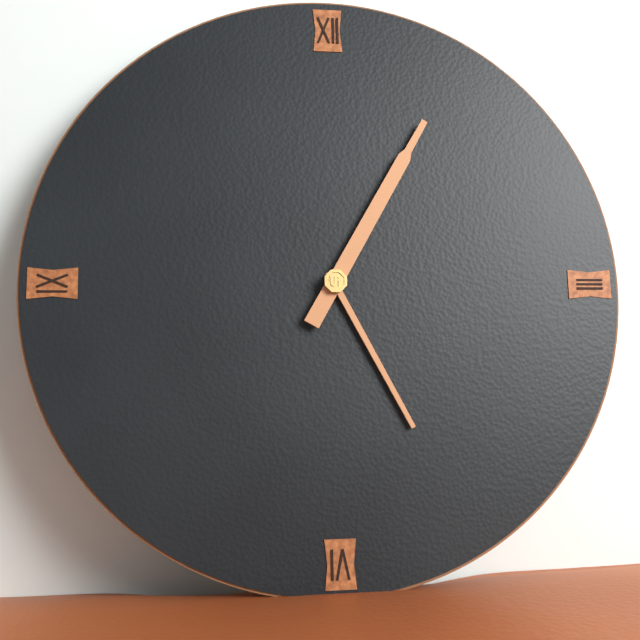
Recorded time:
5h05
